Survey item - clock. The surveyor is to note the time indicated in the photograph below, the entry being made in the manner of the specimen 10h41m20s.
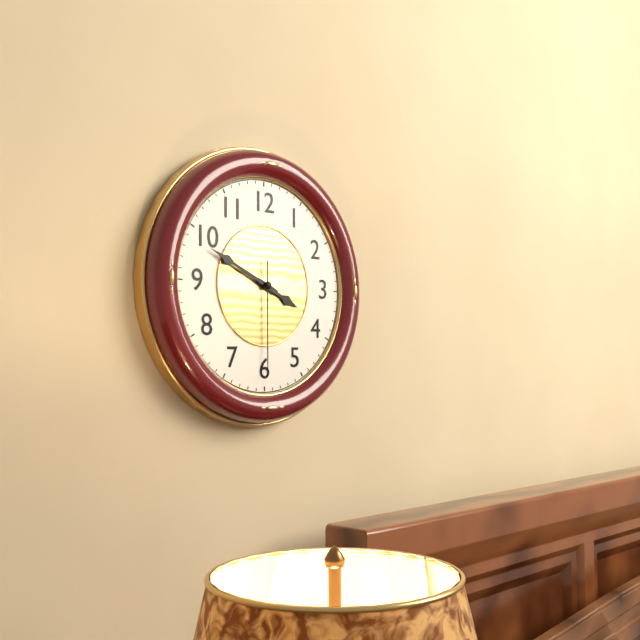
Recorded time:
3h49m30s
